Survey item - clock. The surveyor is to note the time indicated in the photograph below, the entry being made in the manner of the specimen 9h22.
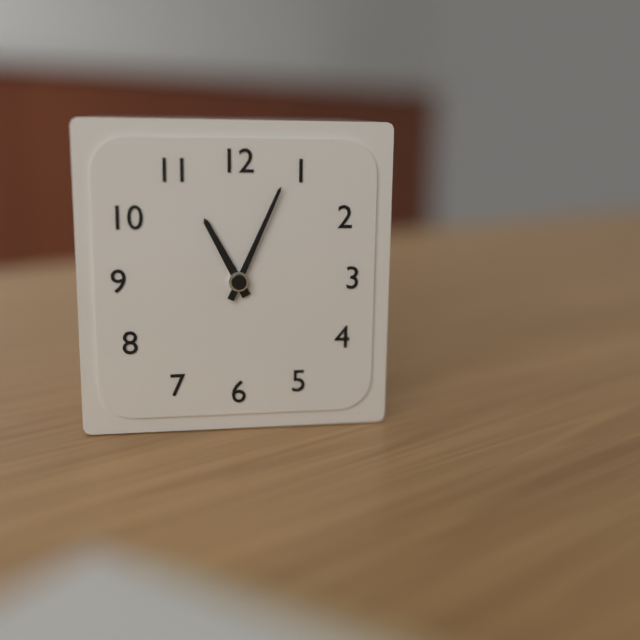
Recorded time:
11h04
